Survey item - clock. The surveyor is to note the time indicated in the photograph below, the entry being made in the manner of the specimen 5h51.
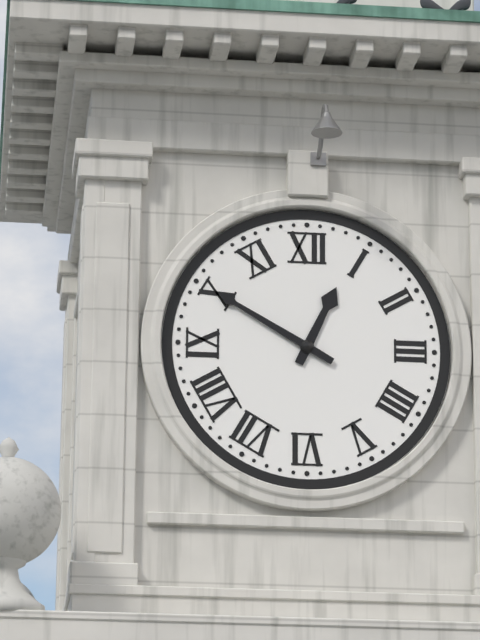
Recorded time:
12h50
